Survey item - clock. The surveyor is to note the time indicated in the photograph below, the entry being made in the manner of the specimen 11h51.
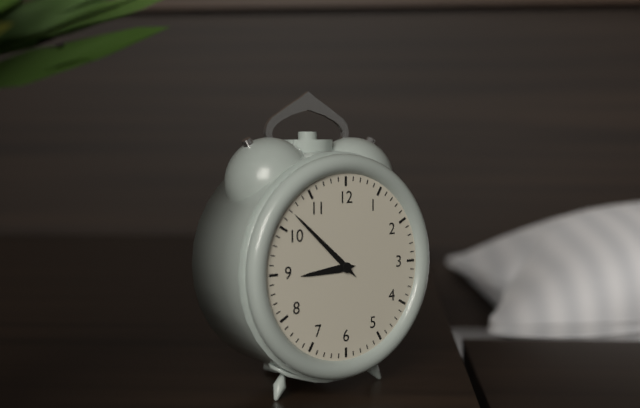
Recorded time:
8h52
